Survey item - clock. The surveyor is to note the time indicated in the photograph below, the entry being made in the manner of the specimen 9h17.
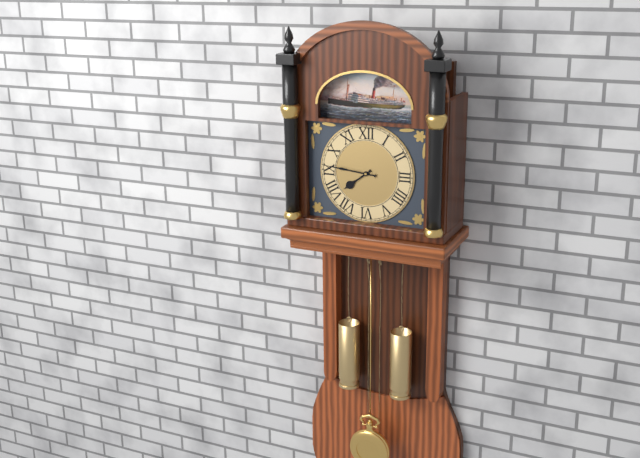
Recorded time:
7h46
